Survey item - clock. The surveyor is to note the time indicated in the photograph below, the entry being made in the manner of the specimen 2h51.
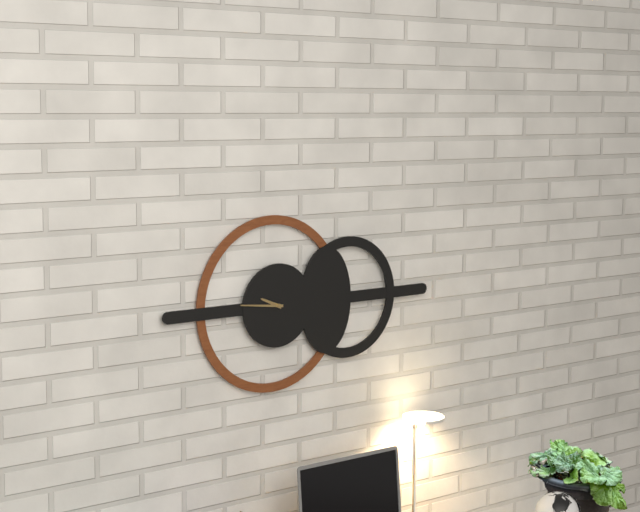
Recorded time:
9h46
